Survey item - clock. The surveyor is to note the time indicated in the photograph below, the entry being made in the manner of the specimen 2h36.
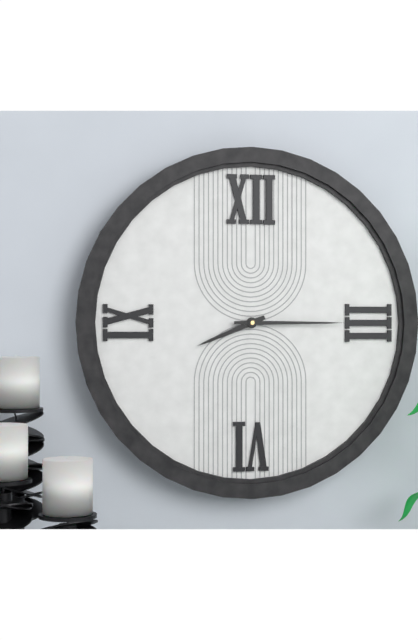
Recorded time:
8h15
